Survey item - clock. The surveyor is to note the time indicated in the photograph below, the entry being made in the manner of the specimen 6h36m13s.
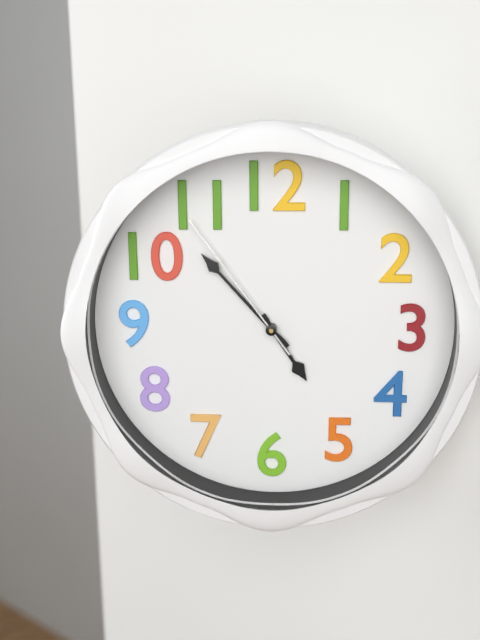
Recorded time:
4h53m54s
